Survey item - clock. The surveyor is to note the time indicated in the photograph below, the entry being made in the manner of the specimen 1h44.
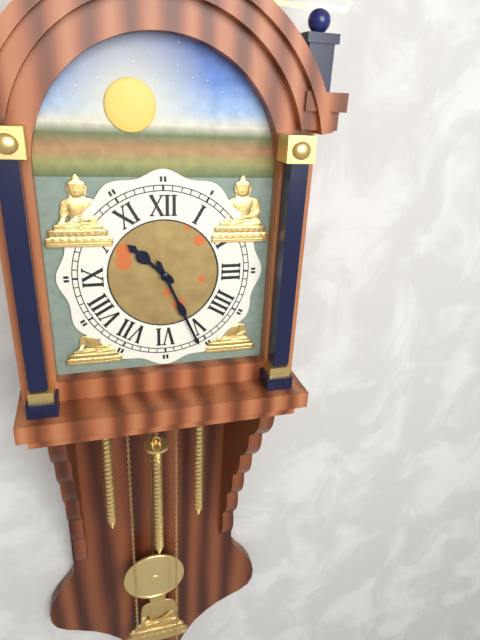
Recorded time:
10h26
